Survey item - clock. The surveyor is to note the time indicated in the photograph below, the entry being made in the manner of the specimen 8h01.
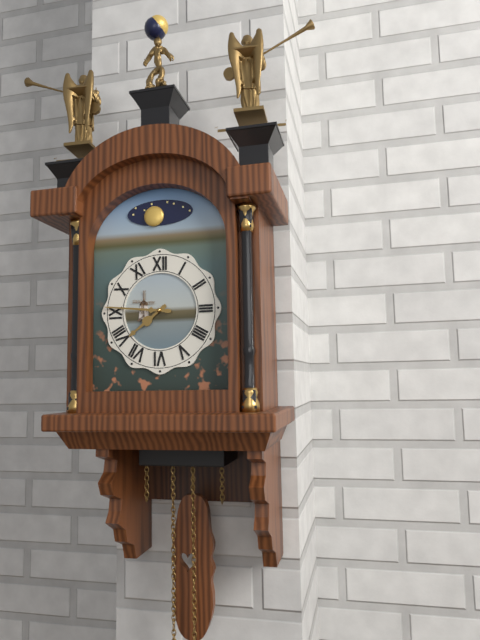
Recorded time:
7h46
